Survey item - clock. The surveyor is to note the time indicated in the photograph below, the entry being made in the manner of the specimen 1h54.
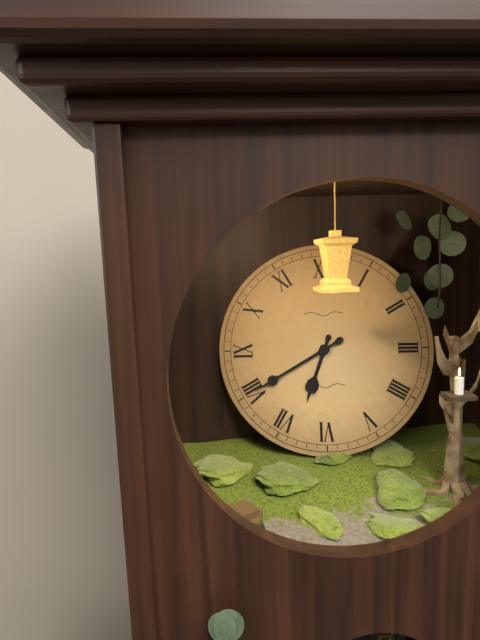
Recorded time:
6h40
